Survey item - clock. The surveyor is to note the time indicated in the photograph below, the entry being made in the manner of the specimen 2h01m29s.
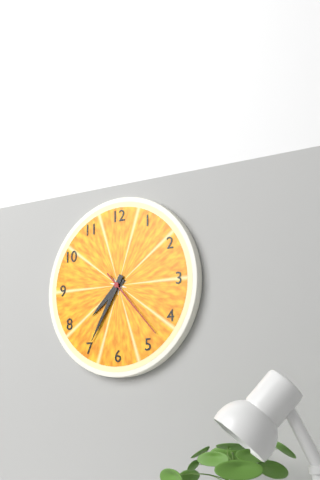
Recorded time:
7h35m23s
